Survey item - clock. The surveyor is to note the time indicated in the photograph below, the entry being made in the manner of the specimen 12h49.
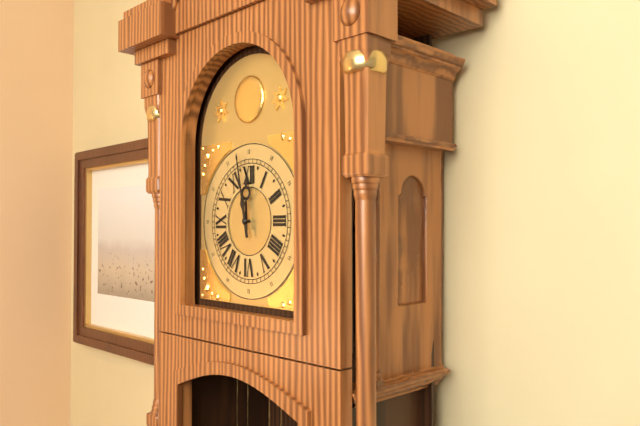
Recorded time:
11h58
